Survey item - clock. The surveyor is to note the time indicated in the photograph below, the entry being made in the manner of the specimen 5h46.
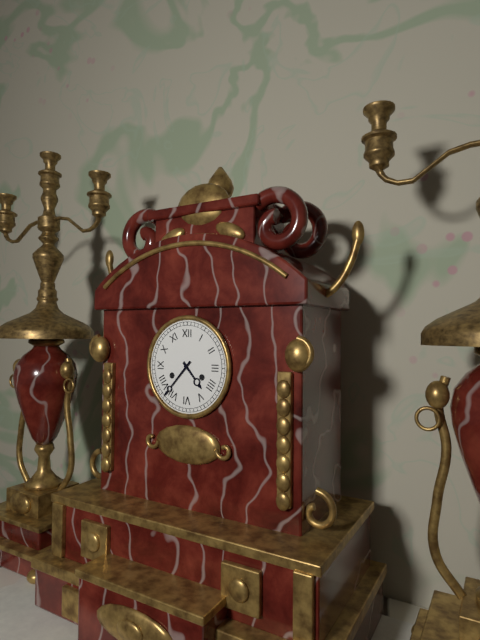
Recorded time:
4h37
